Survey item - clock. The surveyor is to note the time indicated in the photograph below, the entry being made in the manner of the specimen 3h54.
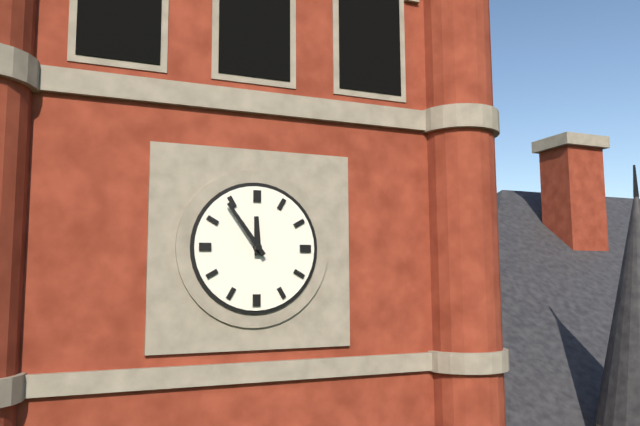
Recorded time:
11h54
